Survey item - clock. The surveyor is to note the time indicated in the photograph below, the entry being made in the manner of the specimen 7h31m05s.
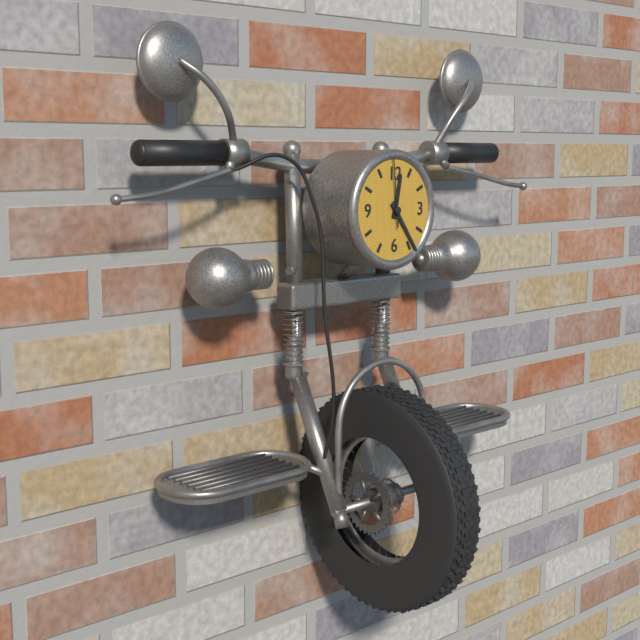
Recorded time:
12h24m59s
